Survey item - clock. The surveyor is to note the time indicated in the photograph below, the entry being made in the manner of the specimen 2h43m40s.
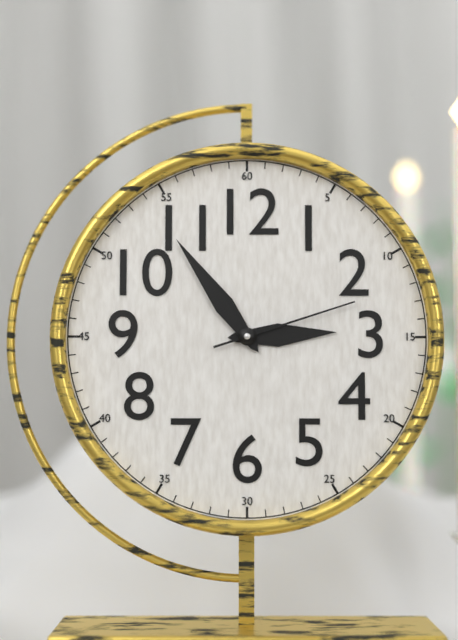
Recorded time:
2h54m12s
